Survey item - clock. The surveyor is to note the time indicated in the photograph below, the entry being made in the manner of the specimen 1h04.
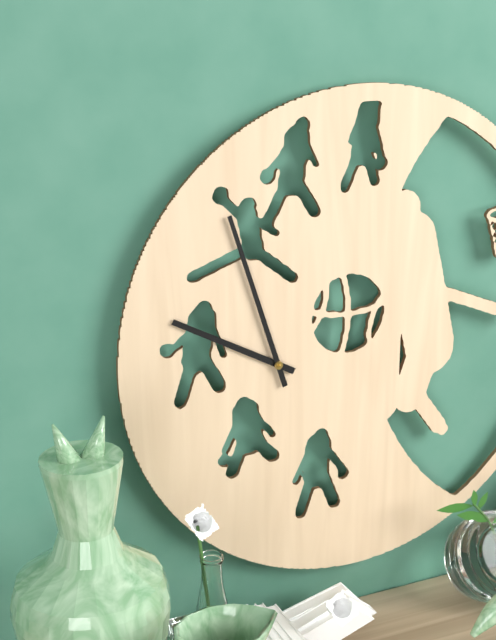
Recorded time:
9h57
